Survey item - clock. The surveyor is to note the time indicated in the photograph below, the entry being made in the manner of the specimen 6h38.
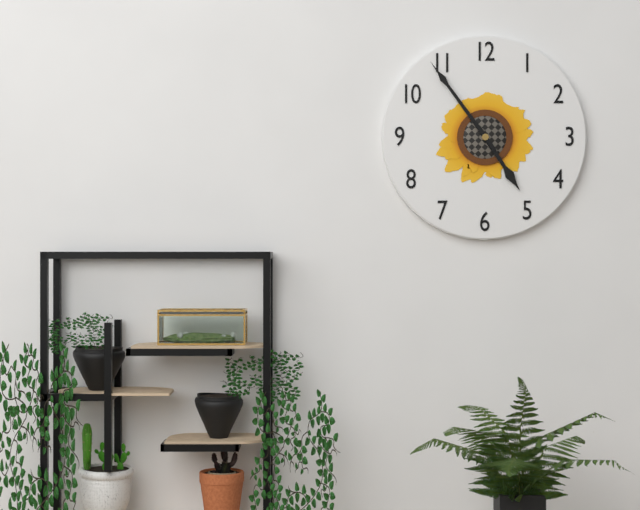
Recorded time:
4h54
